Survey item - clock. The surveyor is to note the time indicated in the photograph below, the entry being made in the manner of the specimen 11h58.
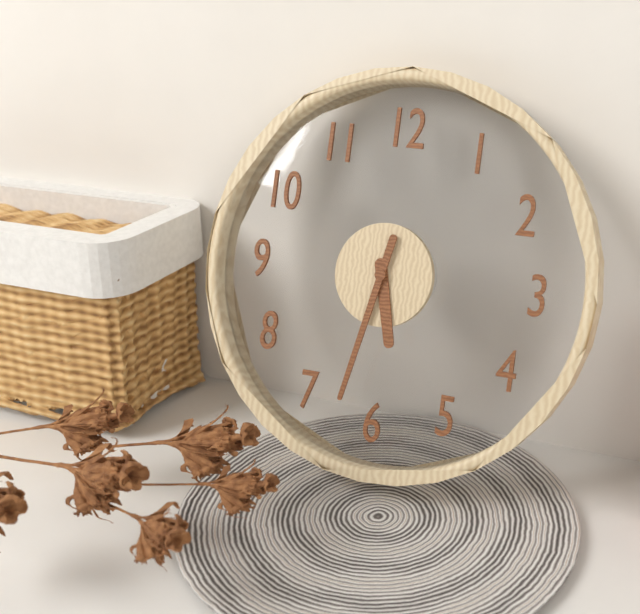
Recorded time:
5h32
